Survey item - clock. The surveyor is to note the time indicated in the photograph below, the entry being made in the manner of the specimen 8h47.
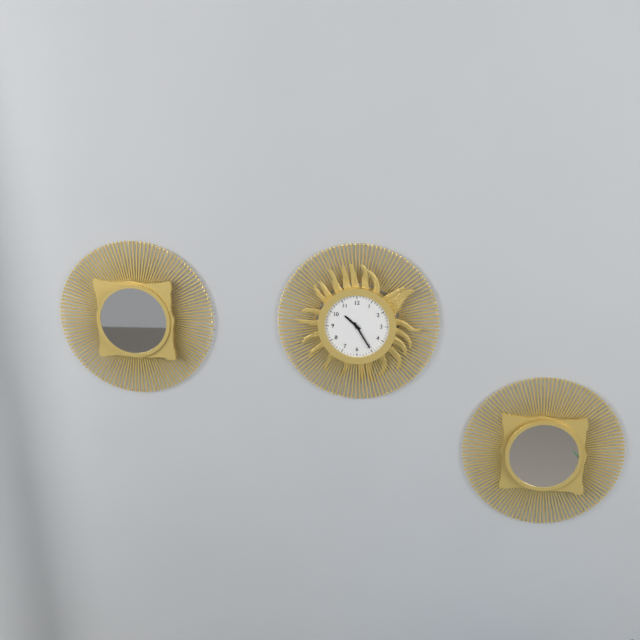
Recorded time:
10h25
